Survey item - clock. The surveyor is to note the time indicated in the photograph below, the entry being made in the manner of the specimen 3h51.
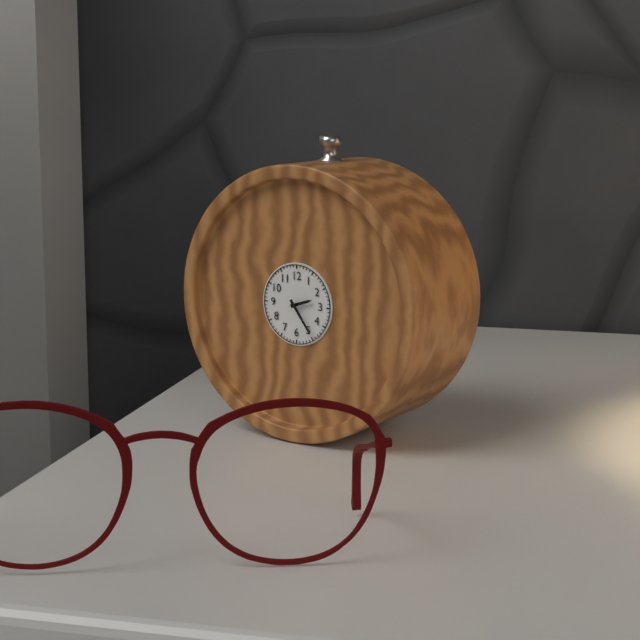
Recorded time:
2h24
